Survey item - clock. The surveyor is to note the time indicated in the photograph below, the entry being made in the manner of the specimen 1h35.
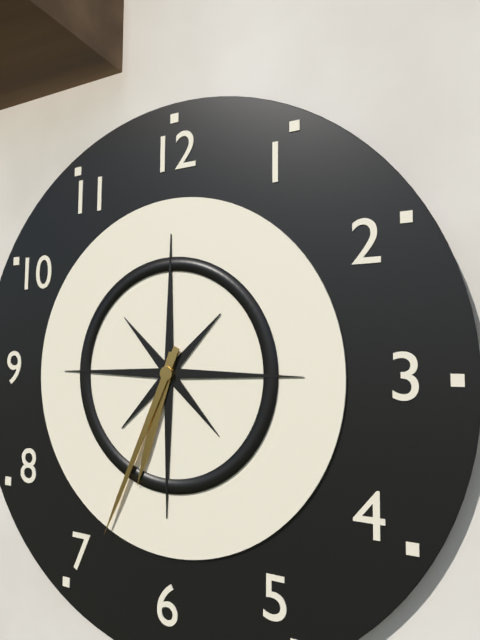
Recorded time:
6h34
